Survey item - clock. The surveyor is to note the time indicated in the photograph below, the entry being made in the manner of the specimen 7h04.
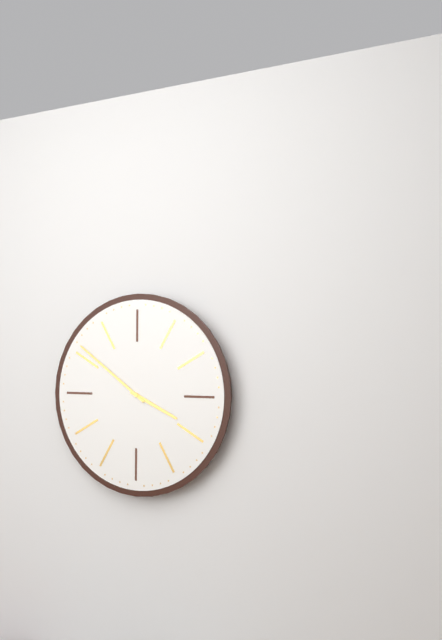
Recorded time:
3h51
